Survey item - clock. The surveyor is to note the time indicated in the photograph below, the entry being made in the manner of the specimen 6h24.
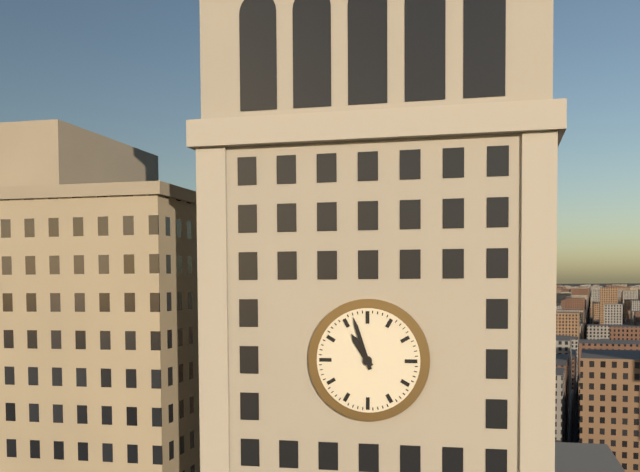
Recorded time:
10h57
